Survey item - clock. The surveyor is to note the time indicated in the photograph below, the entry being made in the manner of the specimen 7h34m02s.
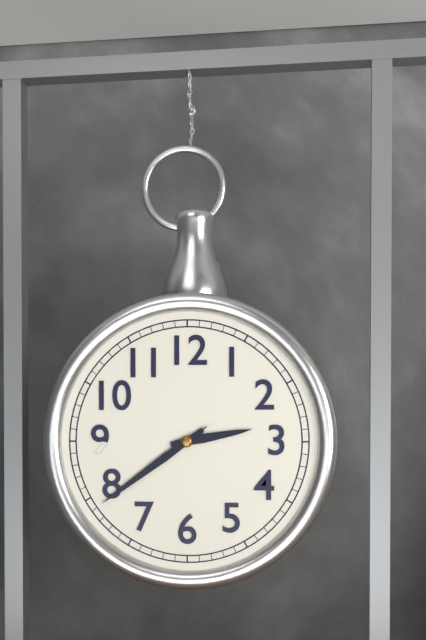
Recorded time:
2h39m39s
